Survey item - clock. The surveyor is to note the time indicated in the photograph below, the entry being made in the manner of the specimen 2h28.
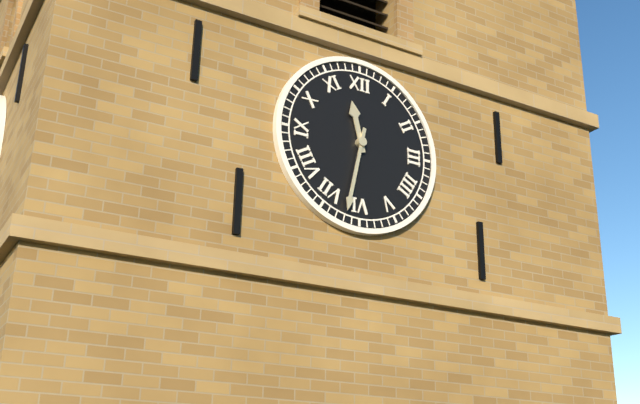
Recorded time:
11h32
